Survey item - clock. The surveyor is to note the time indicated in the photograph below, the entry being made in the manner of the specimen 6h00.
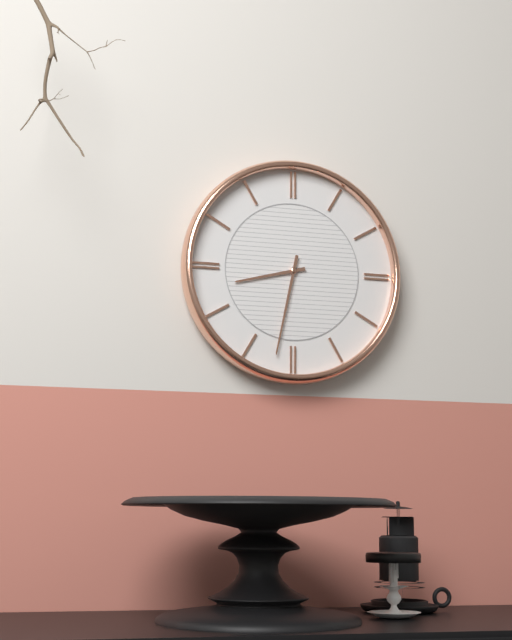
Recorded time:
8h32
